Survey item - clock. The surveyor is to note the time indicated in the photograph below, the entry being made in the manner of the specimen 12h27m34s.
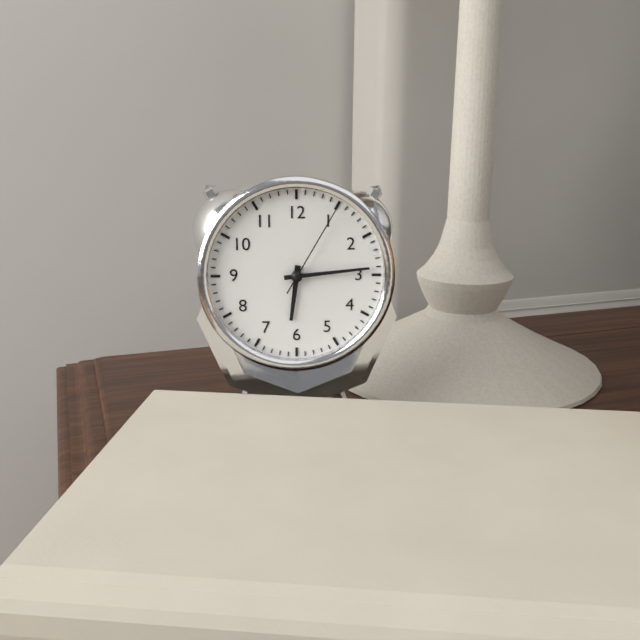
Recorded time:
6h14m05s
